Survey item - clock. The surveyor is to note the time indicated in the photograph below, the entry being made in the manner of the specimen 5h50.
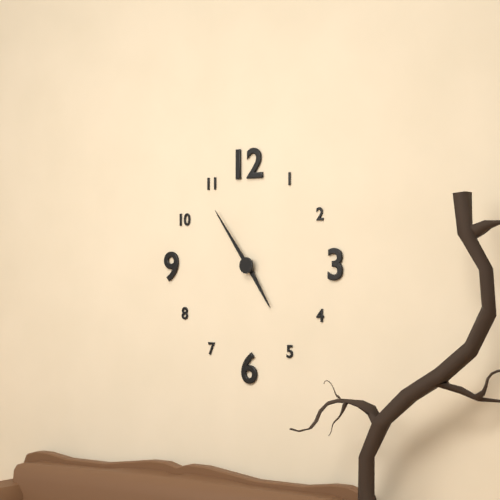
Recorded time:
4h54
